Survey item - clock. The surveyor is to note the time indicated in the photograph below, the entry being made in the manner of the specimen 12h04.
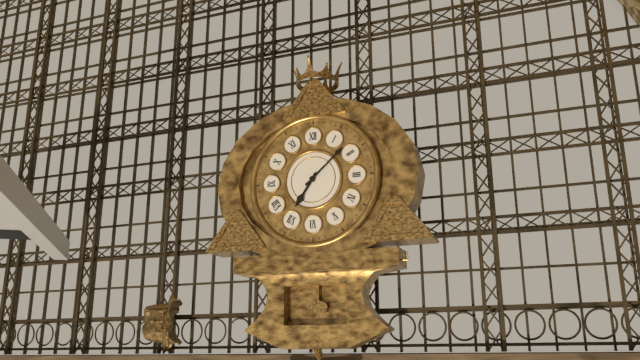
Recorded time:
7h08
